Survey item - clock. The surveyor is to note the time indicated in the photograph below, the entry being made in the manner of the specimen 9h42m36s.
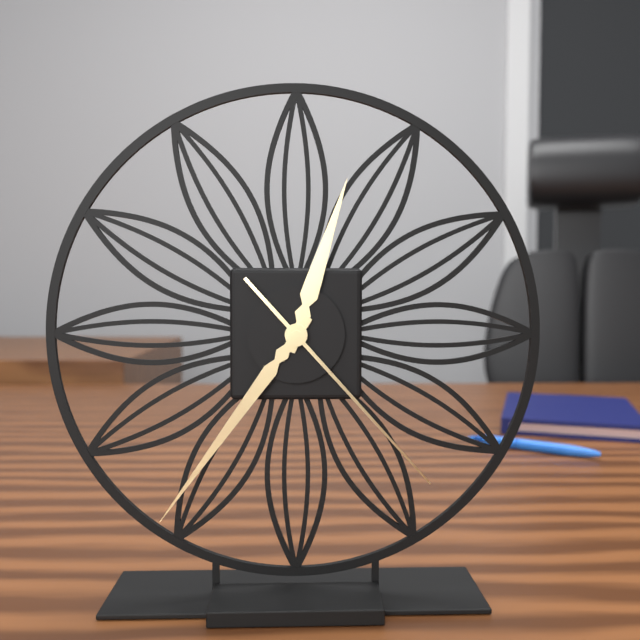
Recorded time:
12h36m23s
